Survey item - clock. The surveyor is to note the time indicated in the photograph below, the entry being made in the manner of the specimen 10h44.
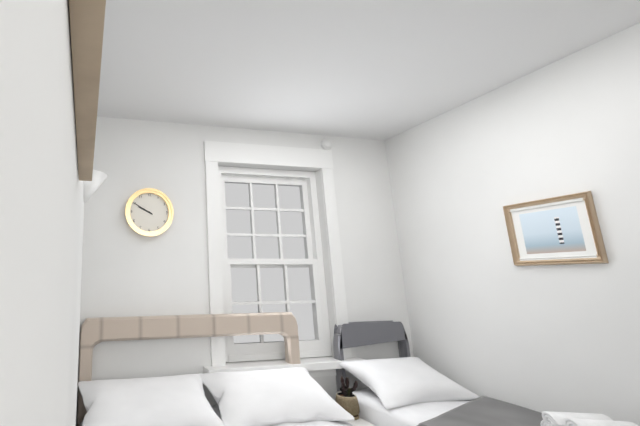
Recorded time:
9h50
